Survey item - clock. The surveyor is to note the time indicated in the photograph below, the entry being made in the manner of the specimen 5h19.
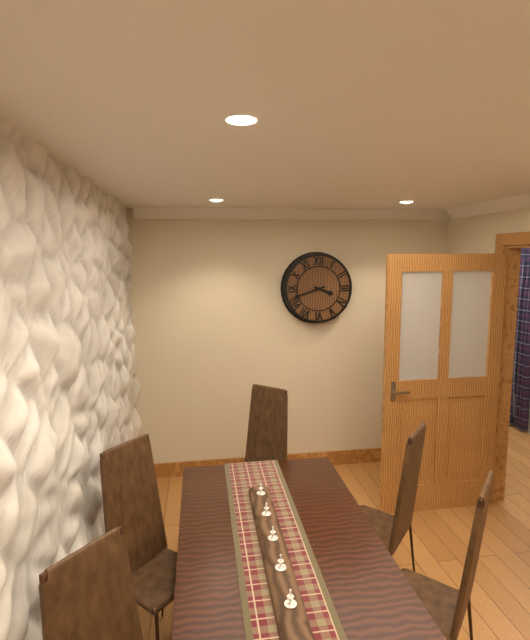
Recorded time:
3h42
